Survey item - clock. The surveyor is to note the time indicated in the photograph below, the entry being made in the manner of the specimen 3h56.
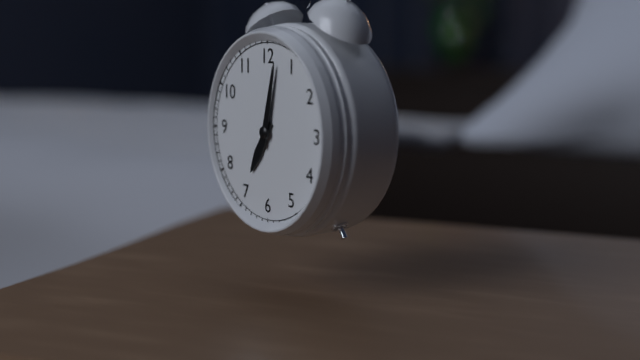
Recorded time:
7h02
